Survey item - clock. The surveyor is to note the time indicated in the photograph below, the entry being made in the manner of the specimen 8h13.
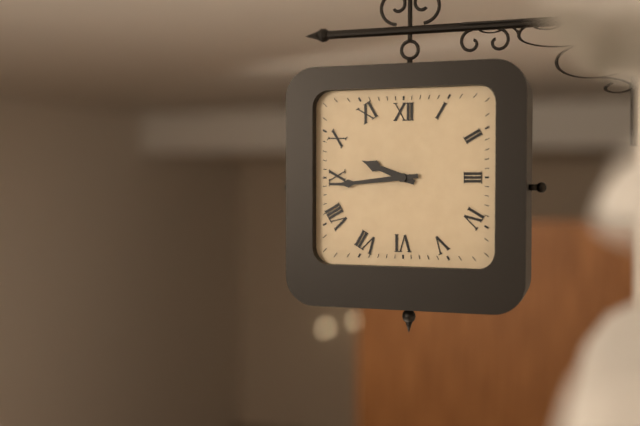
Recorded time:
9h44
